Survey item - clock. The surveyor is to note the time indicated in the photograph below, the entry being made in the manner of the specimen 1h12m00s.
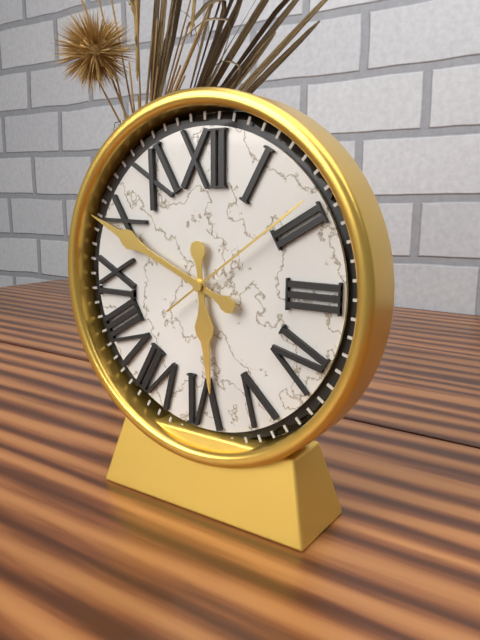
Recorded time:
5h49m09s
